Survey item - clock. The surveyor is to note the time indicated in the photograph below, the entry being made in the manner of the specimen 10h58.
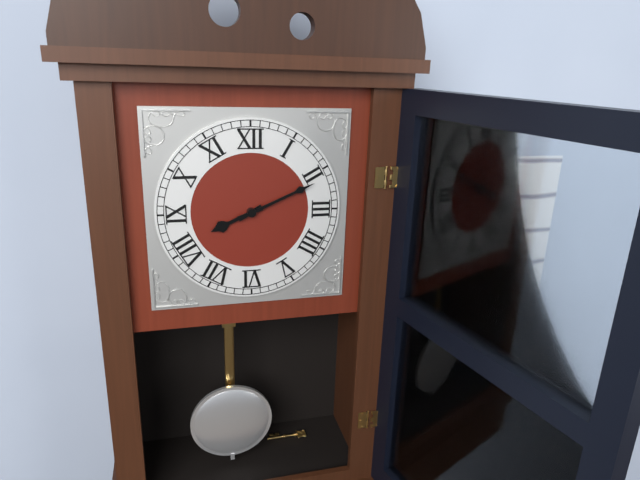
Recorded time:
8h11
